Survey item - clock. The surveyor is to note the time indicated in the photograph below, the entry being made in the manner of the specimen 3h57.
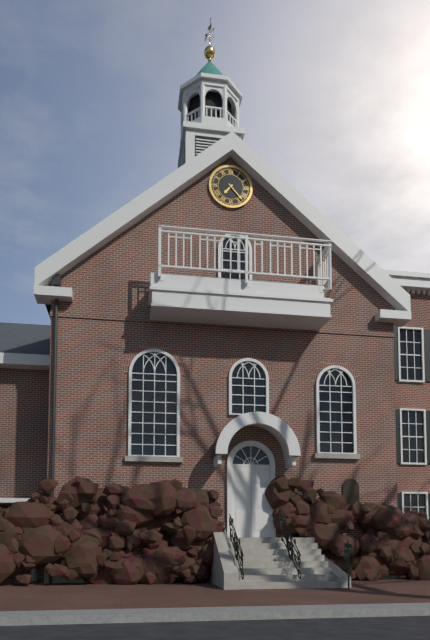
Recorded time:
7h23
